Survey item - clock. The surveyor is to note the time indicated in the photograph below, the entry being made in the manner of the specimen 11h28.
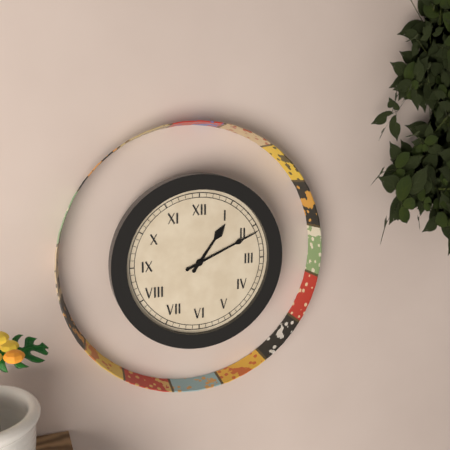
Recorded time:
1h11
